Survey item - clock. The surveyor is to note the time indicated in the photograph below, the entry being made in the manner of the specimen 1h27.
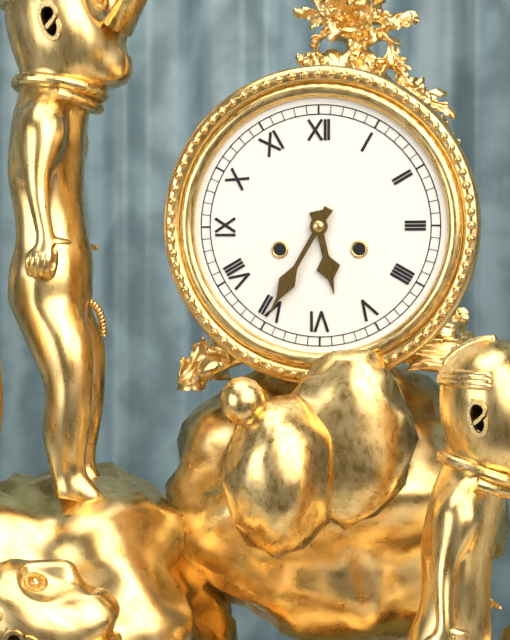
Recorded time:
5h35
